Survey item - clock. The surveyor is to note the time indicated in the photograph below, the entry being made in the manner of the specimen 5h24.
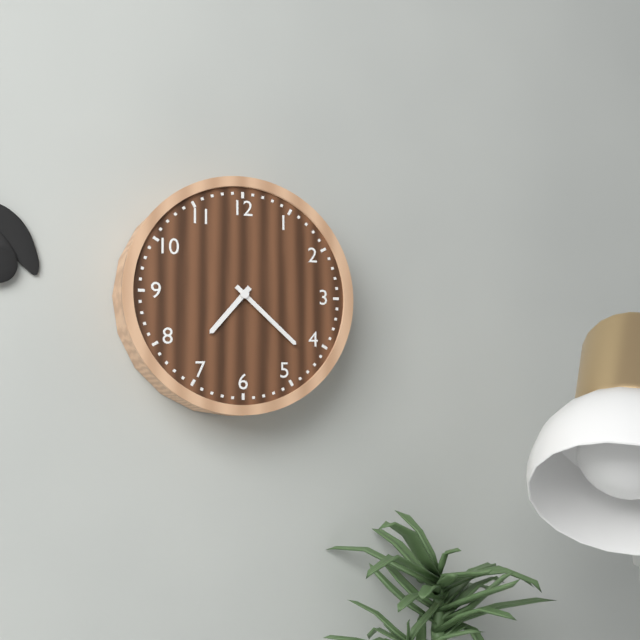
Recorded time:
7h22
